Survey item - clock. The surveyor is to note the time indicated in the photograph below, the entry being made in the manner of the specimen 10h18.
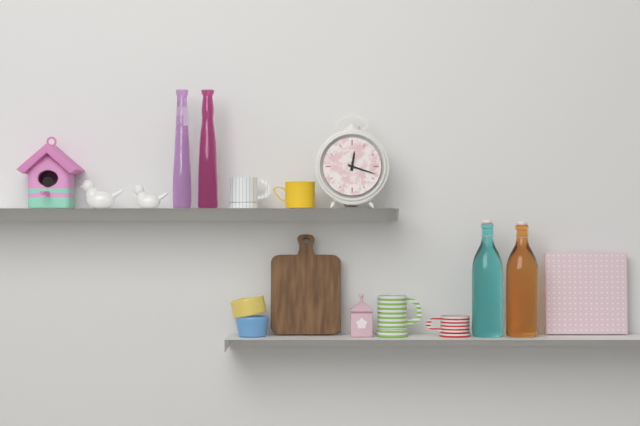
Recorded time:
12h18
